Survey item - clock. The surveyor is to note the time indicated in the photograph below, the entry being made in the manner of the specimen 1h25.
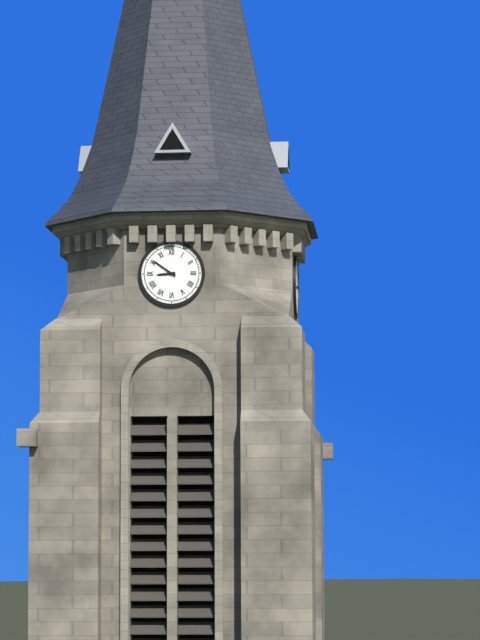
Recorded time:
8h51
